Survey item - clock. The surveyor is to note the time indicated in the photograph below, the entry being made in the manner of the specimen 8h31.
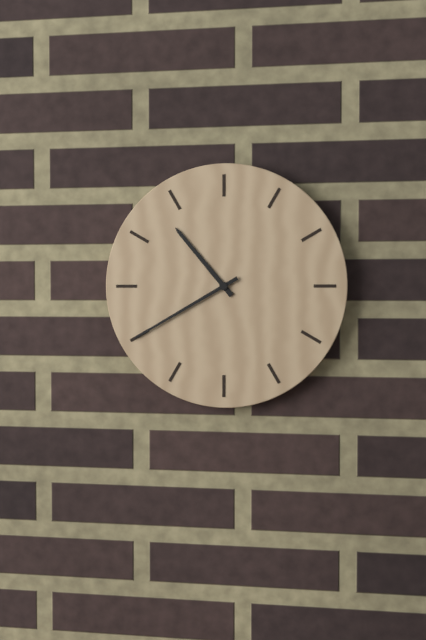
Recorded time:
10h40
